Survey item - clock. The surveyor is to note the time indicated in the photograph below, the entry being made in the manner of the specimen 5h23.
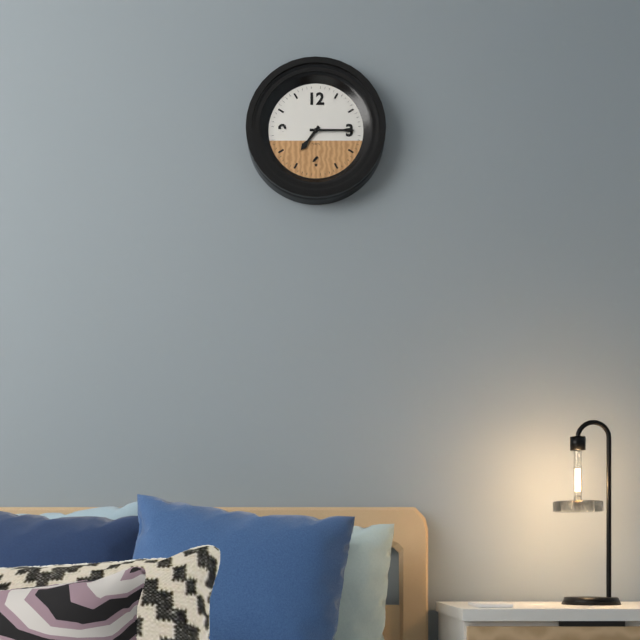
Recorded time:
7h15
